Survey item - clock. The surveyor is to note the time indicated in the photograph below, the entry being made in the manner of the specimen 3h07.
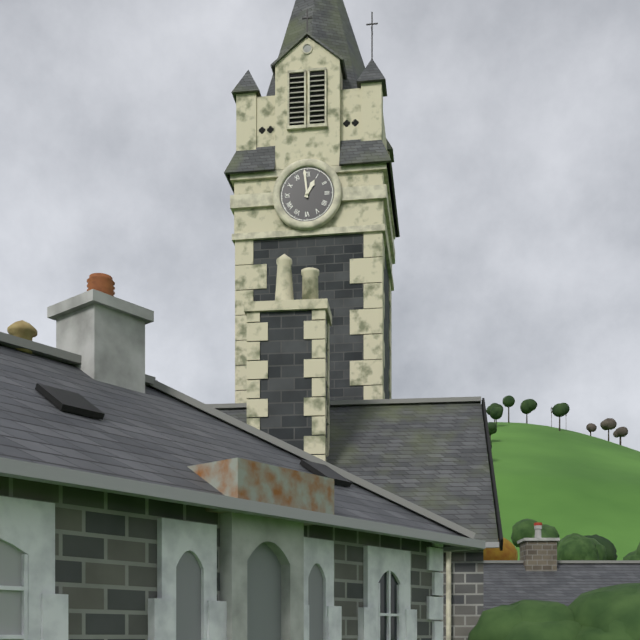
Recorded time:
12h59
